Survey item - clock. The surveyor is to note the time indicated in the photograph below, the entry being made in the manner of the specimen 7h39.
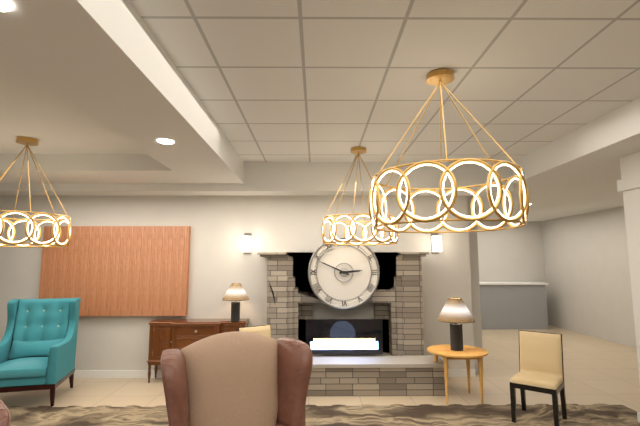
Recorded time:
2h49
